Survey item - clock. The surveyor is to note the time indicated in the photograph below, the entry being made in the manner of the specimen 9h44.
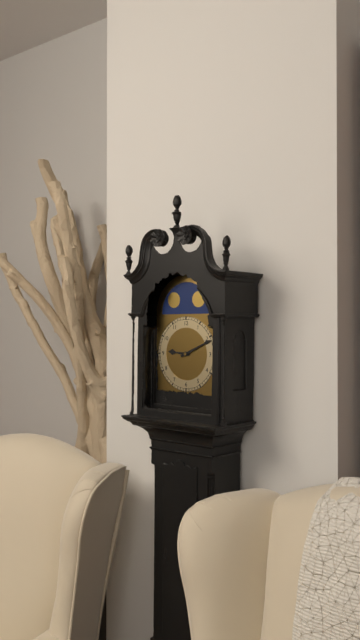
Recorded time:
9h11
